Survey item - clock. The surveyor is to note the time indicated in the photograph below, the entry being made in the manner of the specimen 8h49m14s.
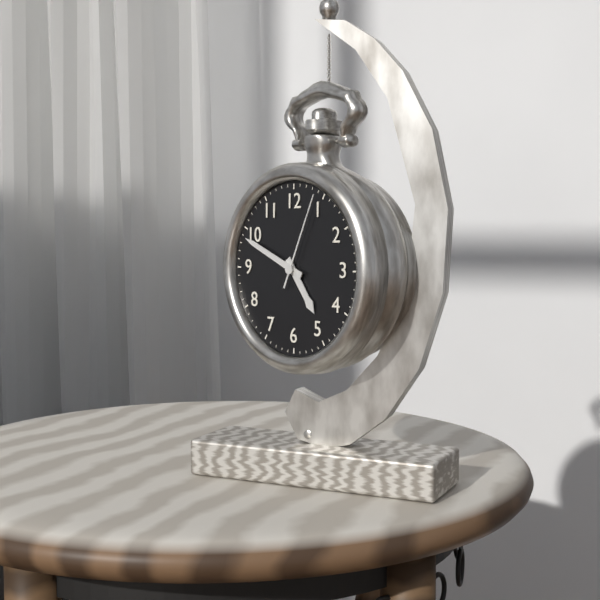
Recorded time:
4h49m04s
